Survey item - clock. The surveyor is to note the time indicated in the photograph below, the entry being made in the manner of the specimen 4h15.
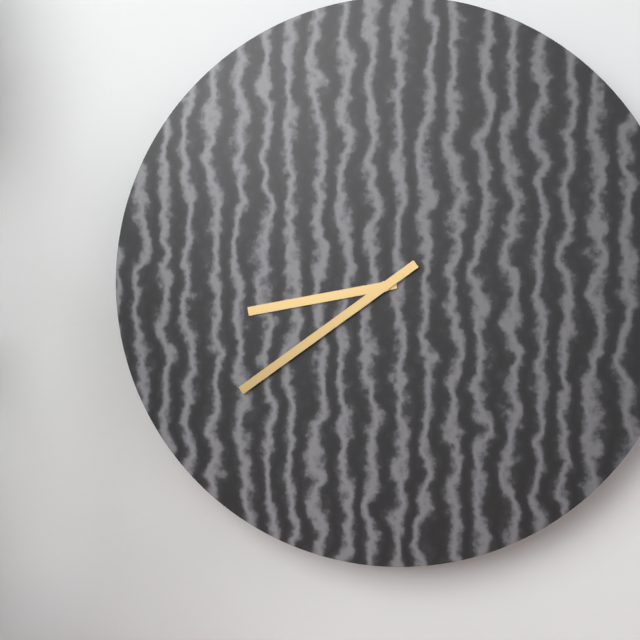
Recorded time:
8h39
